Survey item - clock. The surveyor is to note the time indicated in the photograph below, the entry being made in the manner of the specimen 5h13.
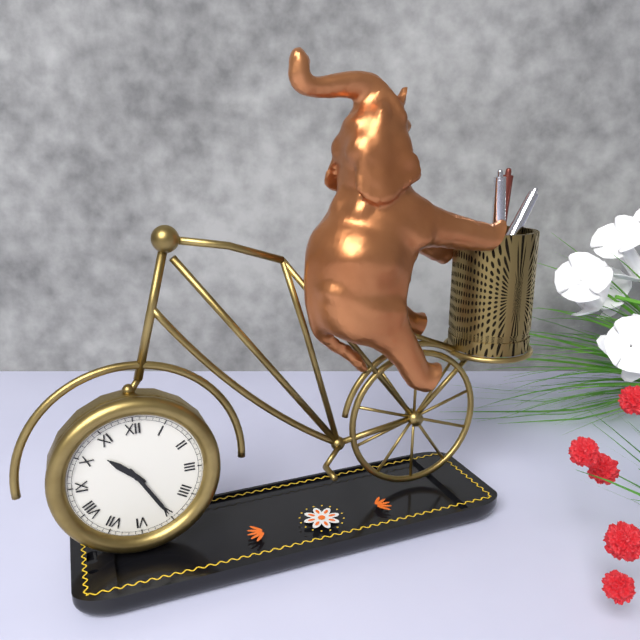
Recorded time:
10h25
